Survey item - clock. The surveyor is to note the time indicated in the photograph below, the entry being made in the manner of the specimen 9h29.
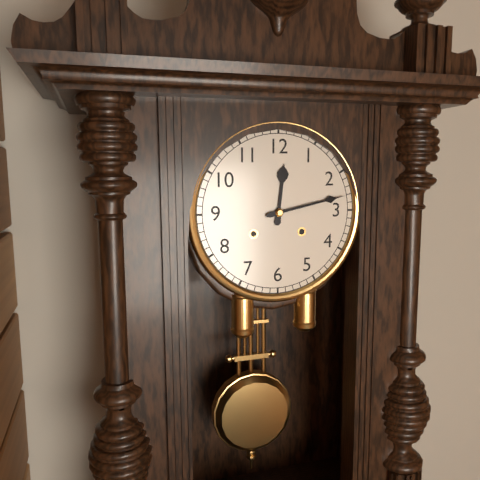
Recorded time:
12h13
